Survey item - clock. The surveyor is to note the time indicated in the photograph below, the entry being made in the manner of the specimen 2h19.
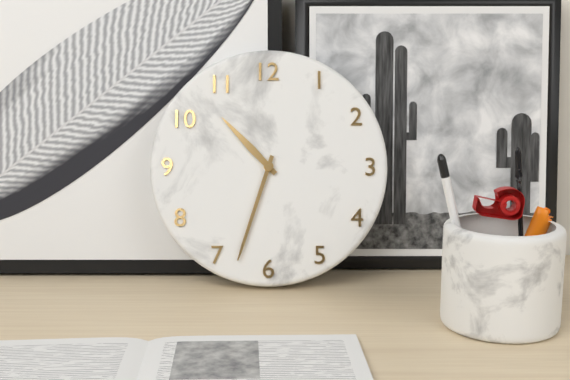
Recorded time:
10h33
